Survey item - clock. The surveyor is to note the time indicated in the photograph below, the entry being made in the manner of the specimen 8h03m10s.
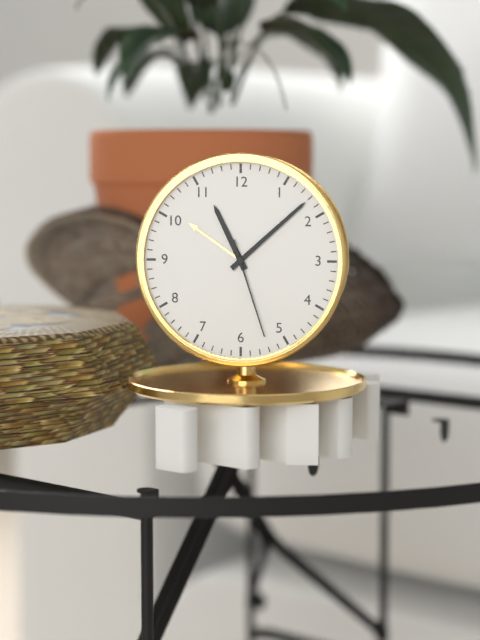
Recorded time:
11h08m27s
